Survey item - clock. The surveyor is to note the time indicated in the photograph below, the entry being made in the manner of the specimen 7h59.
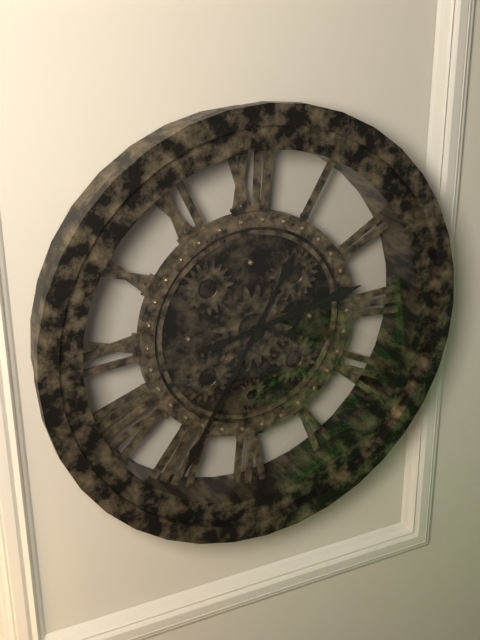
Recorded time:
2h35
